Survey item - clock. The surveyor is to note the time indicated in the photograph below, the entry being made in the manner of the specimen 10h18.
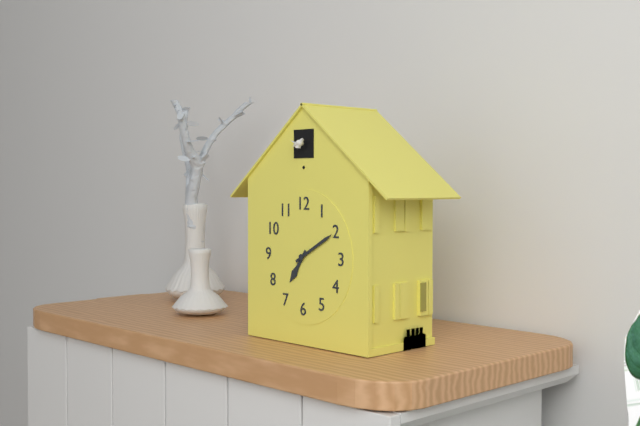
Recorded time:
7h10
